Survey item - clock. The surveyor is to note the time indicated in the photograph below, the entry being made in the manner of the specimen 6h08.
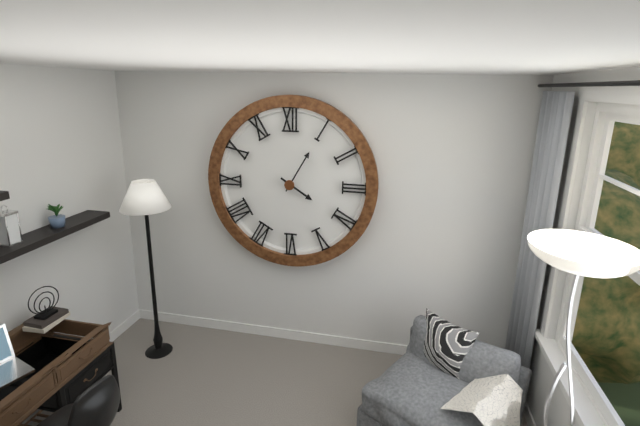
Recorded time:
4h05
